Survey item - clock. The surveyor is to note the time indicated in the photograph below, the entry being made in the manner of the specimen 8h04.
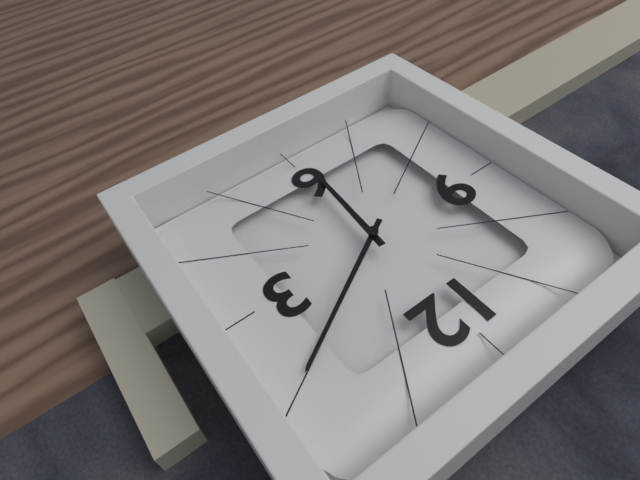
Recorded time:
6h10
